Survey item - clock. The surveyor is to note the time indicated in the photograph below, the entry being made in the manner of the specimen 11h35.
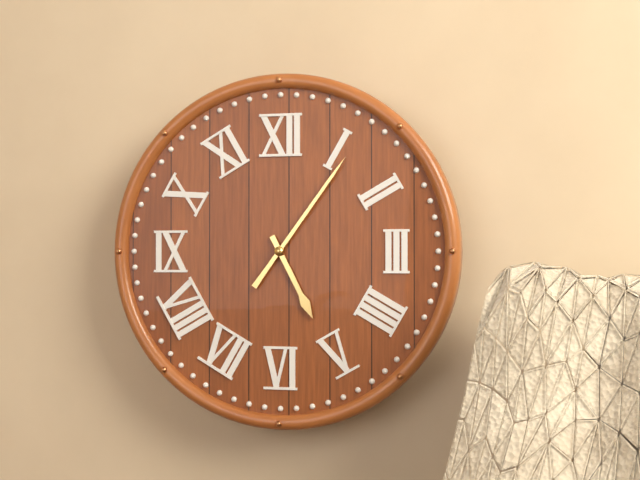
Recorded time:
5h06
